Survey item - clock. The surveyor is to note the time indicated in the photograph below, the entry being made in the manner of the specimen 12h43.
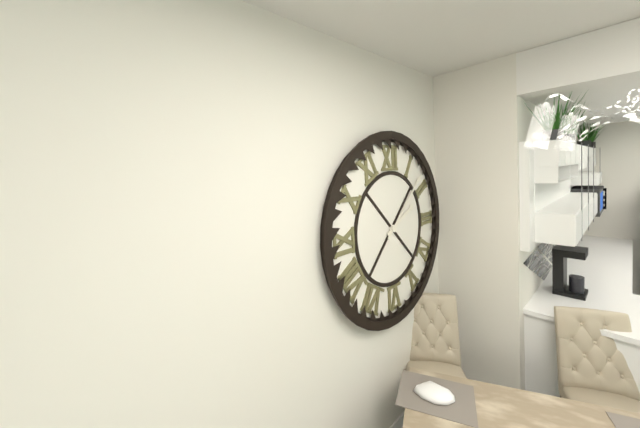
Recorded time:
2h08
